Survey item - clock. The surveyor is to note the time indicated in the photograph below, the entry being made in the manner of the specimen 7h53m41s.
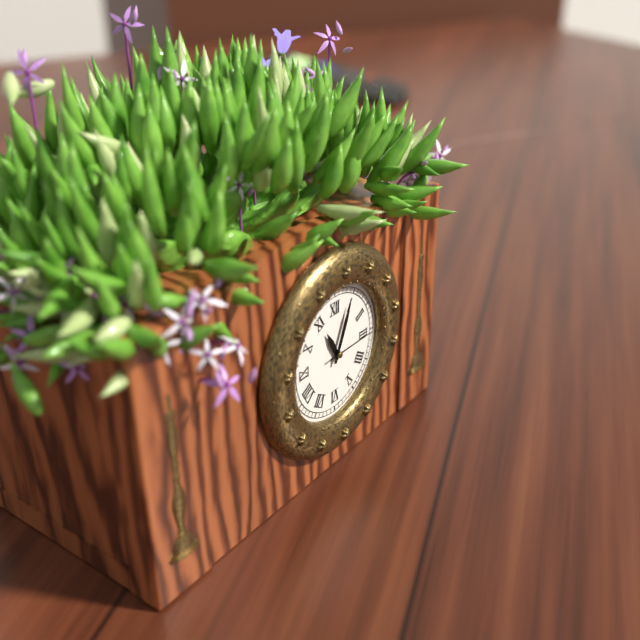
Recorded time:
11h04m15s
